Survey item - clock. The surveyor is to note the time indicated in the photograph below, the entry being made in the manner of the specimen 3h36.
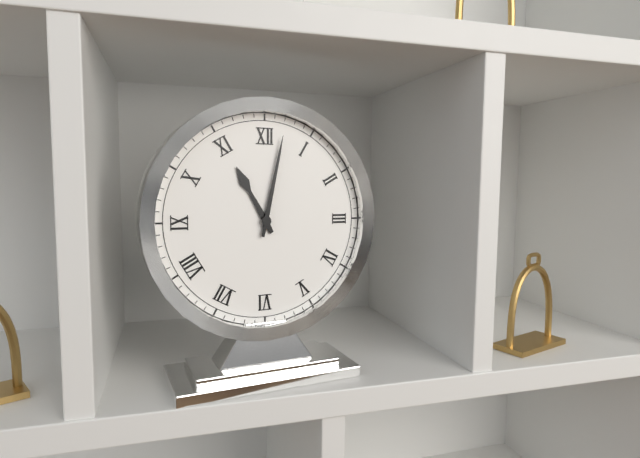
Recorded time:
11h02
